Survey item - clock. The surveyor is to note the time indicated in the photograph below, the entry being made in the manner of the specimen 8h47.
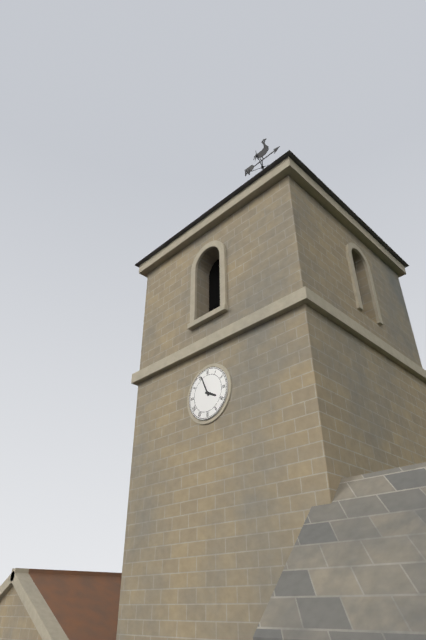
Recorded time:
3h56
